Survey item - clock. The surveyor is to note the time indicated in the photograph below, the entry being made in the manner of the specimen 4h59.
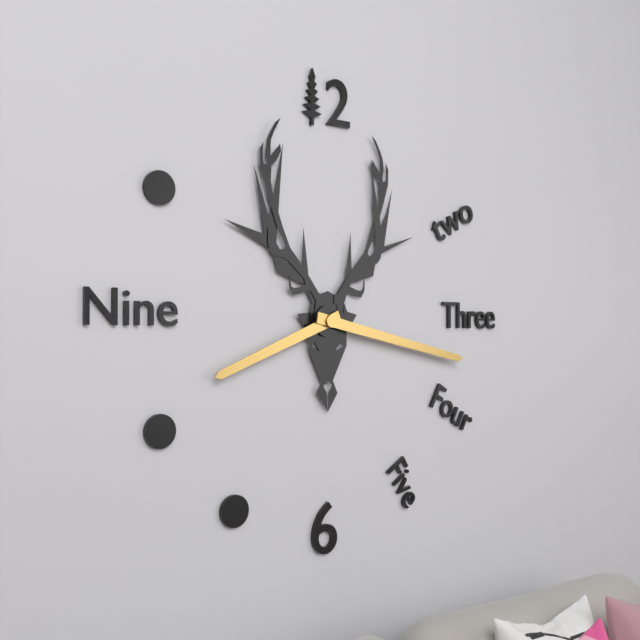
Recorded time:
8h17
